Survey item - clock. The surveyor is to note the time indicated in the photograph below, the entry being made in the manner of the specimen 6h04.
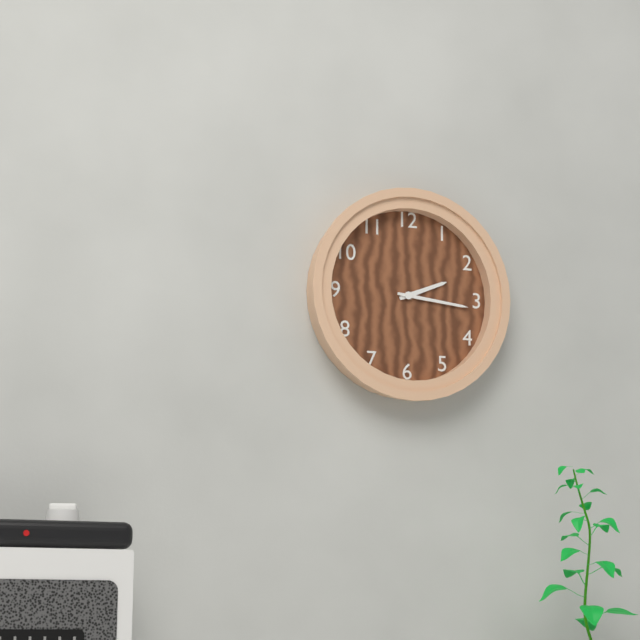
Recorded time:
2h16
